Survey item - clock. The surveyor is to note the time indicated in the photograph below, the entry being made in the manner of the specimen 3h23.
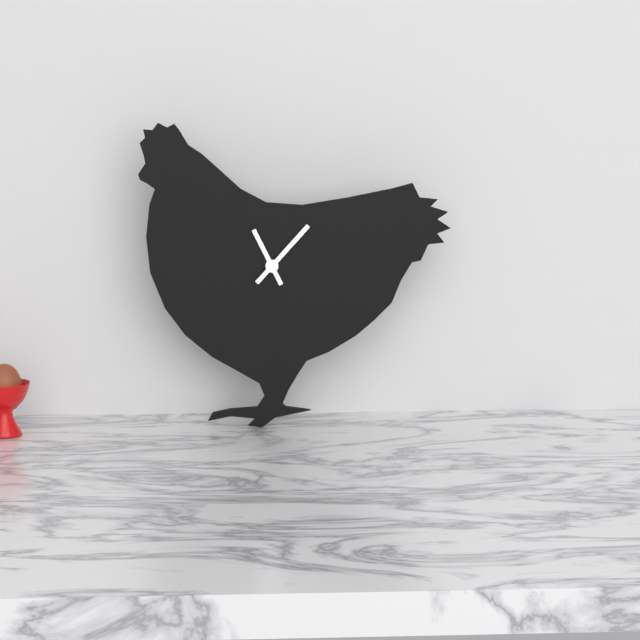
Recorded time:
11h07
